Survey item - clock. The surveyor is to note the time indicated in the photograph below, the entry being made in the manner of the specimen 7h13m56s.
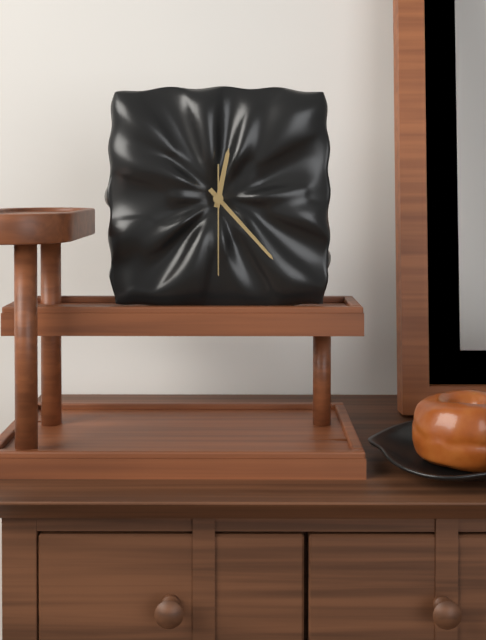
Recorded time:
12h23m30s
